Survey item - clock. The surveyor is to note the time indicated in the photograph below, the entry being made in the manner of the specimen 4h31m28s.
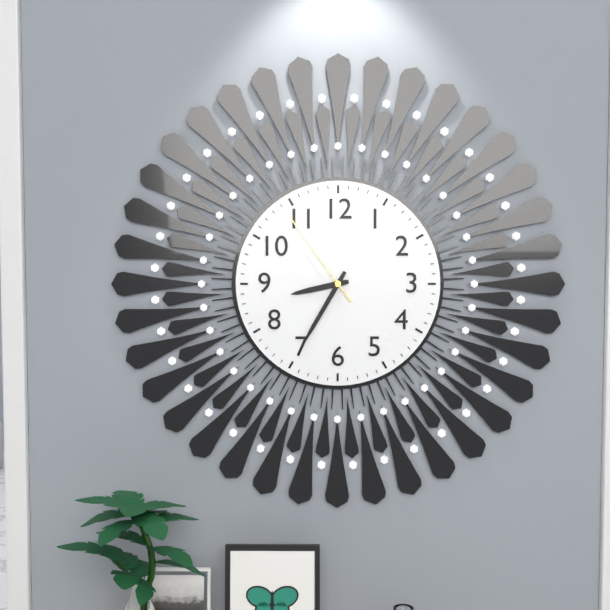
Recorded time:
8h35m54s
